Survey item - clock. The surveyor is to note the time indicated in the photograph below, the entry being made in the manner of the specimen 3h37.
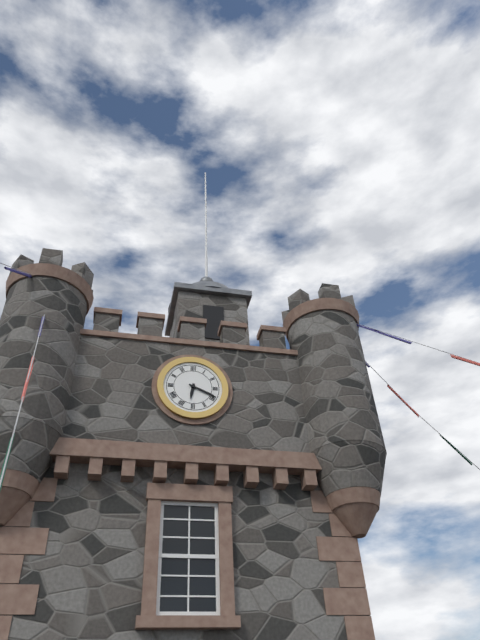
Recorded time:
6h19
